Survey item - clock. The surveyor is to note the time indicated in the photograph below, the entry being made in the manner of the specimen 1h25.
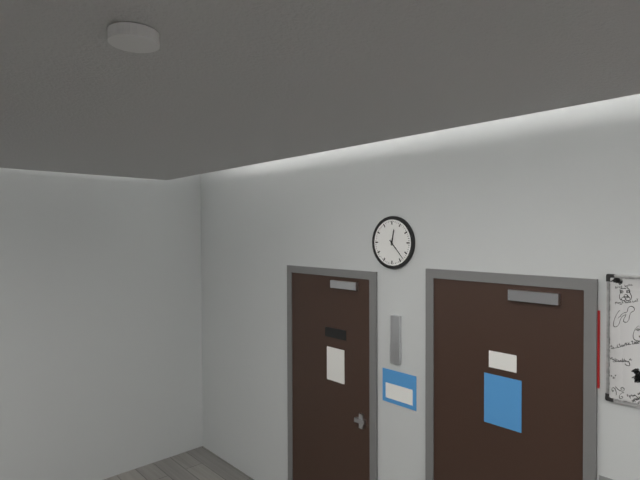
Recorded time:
12h23
